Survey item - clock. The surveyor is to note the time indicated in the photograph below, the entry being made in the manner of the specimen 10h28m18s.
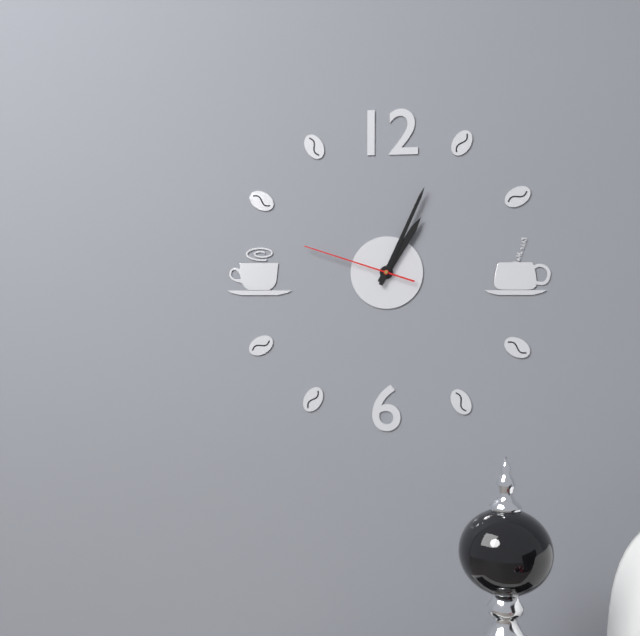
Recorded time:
1h04m48s
